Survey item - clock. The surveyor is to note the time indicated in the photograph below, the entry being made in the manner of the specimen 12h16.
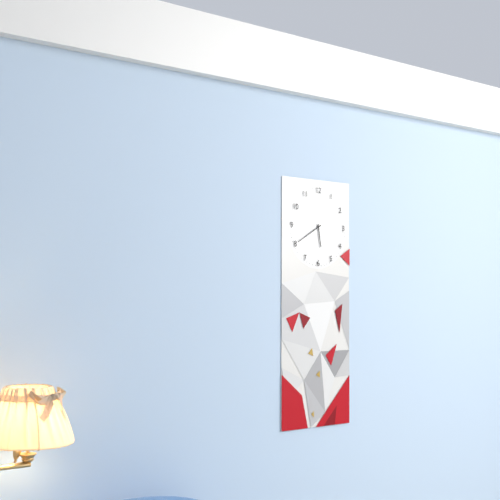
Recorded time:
5h40
